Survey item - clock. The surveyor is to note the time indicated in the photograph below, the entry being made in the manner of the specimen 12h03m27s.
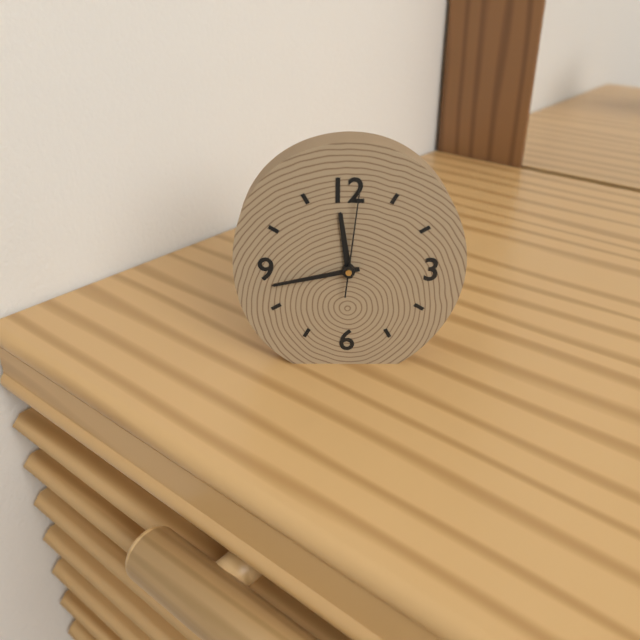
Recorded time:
11h43m01s
